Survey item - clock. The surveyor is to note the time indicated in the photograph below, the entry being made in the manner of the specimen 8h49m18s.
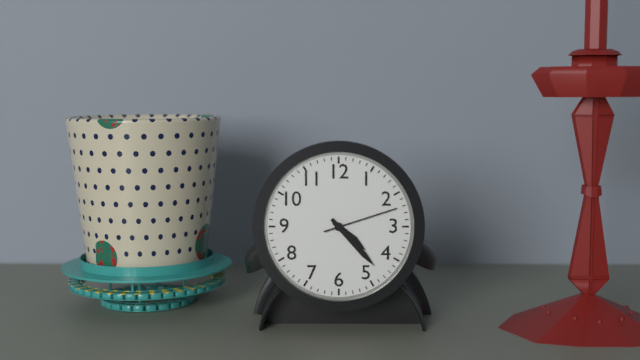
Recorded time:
4h23m12s
